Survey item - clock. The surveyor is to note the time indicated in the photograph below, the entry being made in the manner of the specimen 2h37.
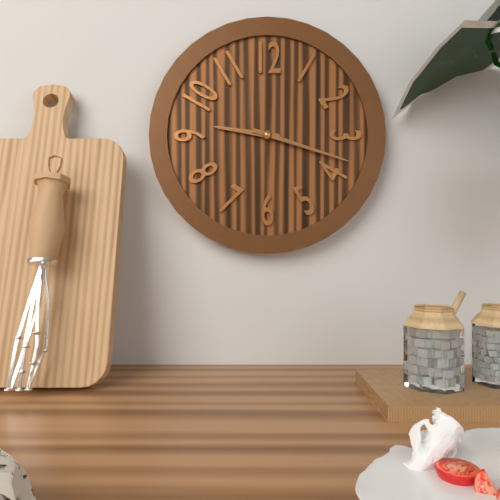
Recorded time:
9h18
